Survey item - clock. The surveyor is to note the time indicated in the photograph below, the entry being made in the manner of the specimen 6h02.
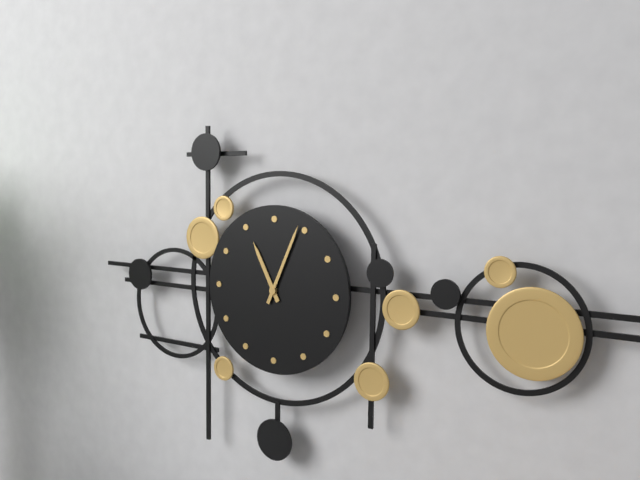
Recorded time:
11h04
